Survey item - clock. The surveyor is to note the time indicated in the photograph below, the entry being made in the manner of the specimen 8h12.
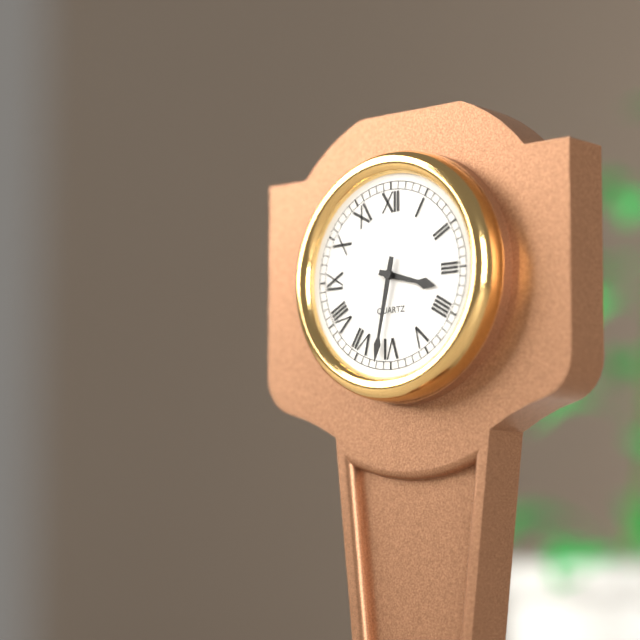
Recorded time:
3h32
